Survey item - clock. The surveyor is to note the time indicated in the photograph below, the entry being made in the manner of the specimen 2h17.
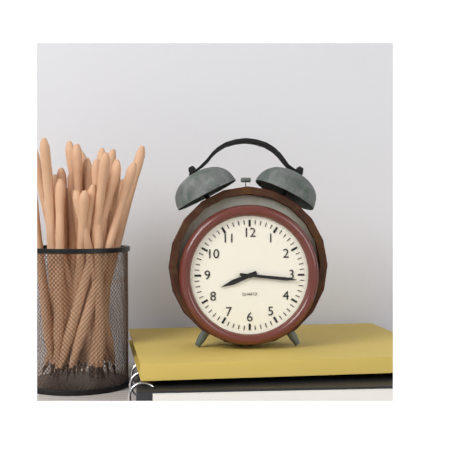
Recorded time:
8h16
